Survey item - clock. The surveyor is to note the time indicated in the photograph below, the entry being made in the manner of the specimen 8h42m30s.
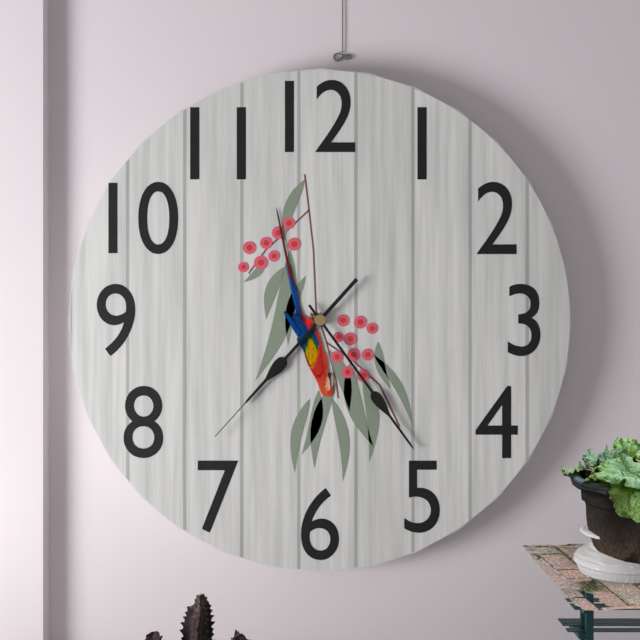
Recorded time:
7h24m37s
